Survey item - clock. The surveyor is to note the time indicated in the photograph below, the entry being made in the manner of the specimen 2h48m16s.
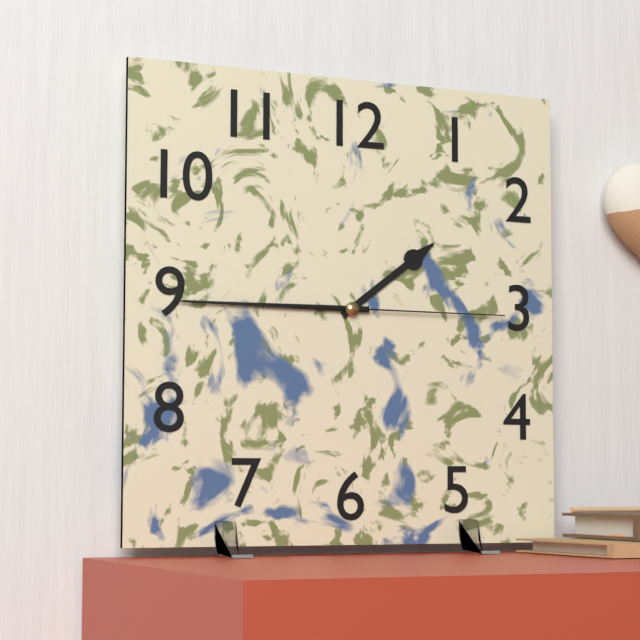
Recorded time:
1h45m15s
